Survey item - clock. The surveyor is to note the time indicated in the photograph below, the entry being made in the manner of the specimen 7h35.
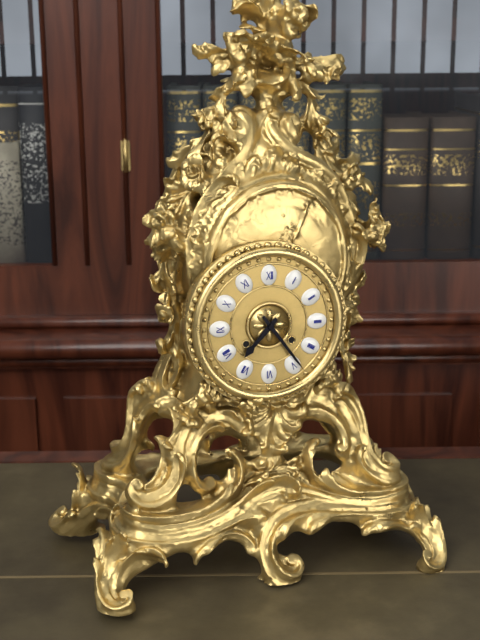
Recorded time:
7h24
